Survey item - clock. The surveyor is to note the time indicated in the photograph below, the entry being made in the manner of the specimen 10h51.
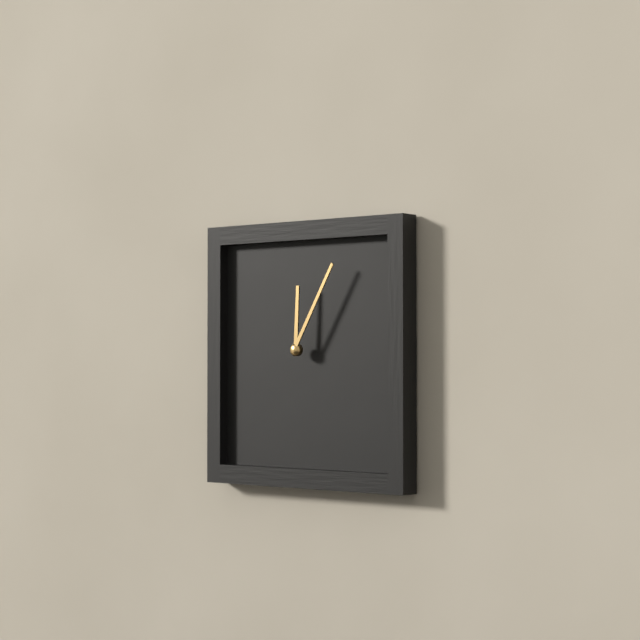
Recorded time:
12h05
